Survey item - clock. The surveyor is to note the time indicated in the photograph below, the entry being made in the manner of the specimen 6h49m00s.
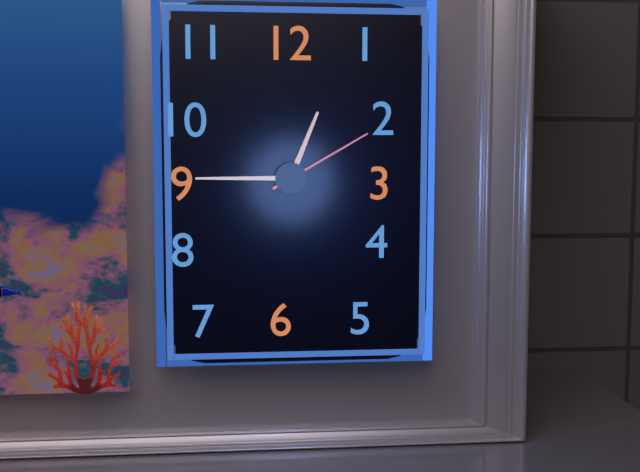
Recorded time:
12h45m10s
